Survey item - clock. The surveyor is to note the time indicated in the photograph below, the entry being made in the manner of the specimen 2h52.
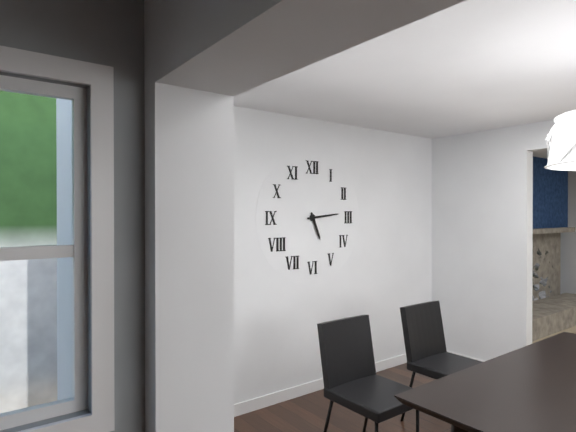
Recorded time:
5h14
